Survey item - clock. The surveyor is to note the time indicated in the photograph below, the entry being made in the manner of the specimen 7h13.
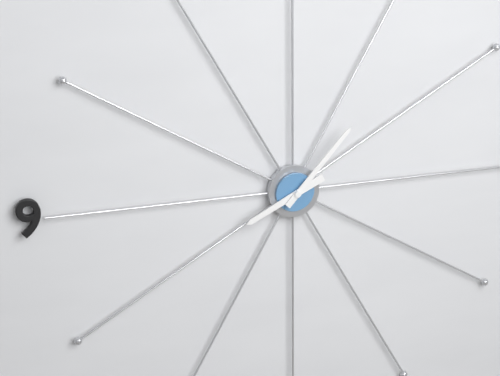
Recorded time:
8h07
